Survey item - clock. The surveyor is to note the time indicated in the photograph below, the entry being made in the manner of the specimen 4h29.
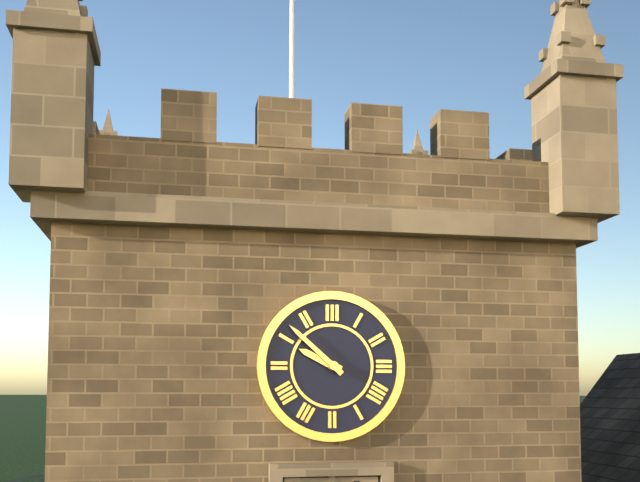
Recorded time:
9h52
